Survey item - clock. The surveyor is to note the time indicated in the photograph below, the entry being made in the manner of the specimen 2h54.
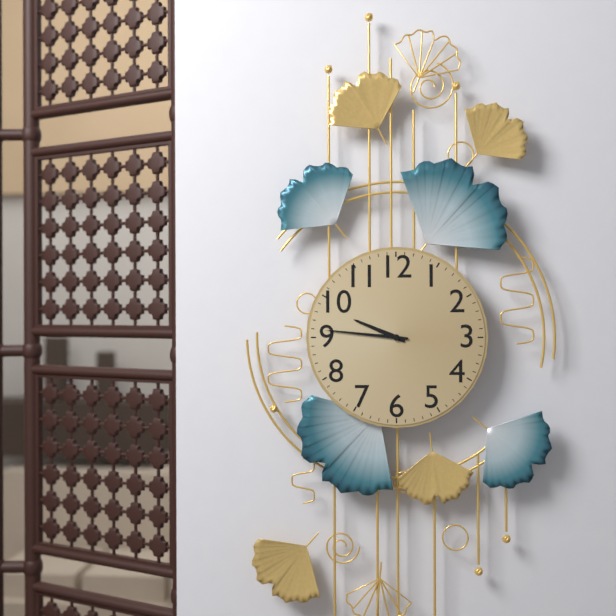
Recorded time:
9h46
